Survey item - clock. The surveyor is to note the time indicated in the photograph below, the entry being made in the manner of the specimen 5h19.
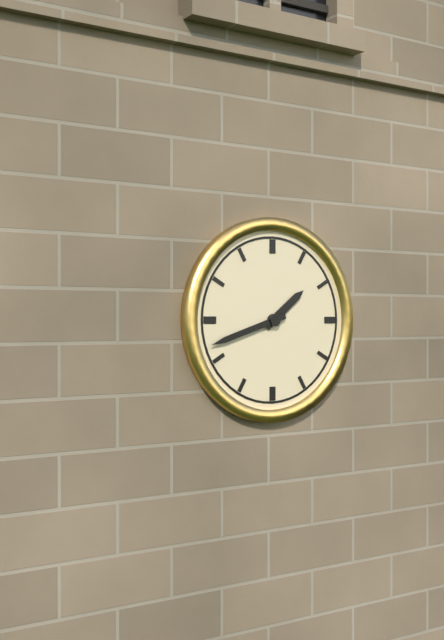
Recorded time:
1h42
